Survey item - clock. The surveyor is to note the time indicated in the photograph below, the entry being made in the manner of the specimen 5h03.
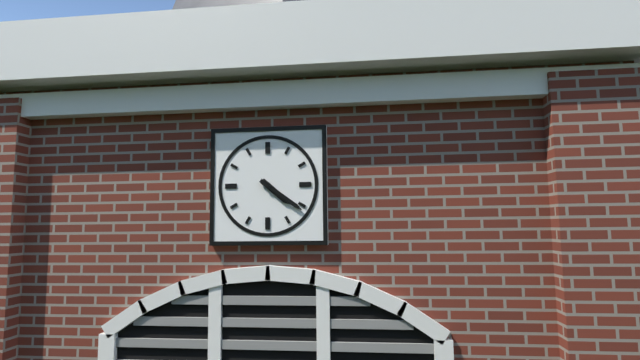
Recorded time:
4h21
